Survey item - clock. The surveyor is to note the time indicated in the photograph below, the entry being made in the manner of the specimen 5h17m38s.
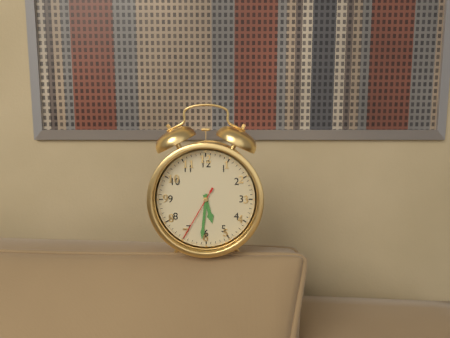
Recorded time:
5h31m35s
